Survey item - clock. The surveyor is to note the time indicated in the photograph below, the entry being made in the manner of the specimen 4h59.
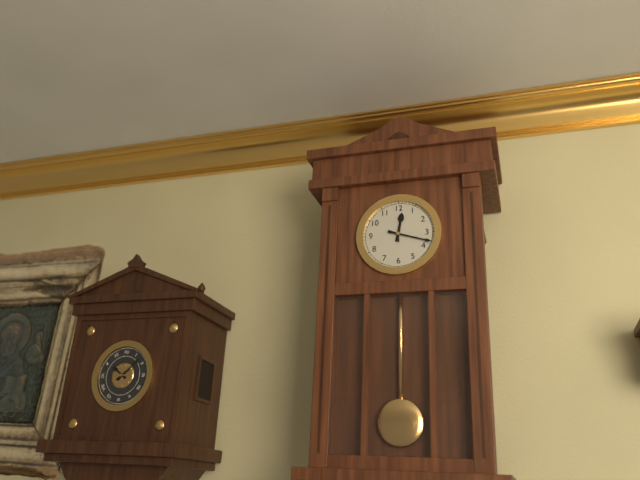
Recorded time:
12h18
